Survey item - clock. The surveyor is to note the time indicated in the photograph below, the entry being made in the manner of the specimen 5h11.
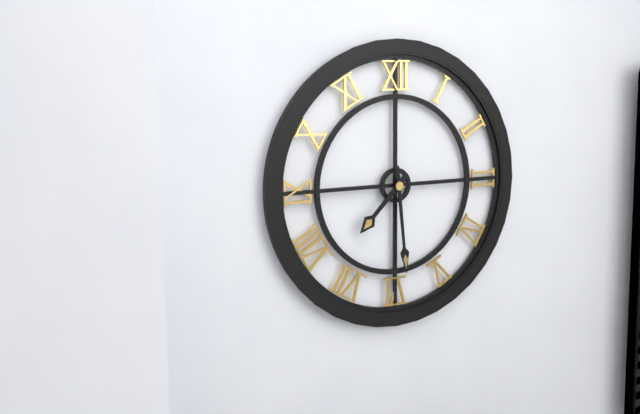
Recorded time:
7h29
